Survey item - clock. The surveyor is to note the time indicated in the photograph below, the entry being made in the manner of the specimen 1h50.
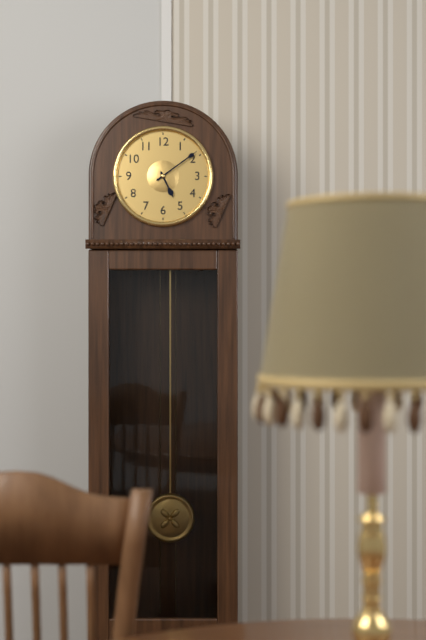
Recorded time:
5h09
